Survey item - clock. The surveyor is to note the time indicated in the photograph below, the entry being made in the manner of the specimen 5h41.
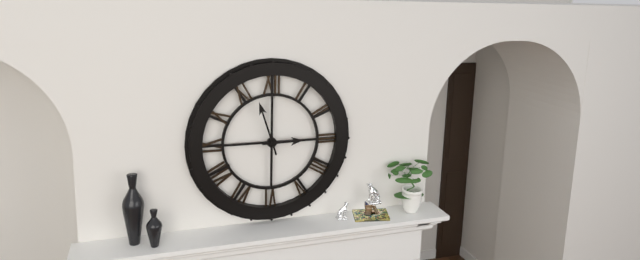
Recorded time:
2h57
